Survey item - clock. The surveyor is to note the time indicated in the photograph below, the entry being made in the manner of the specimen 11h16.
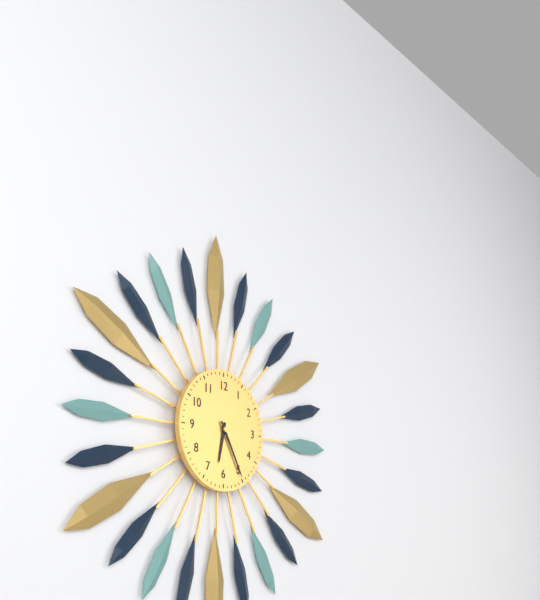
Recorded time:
6h25
